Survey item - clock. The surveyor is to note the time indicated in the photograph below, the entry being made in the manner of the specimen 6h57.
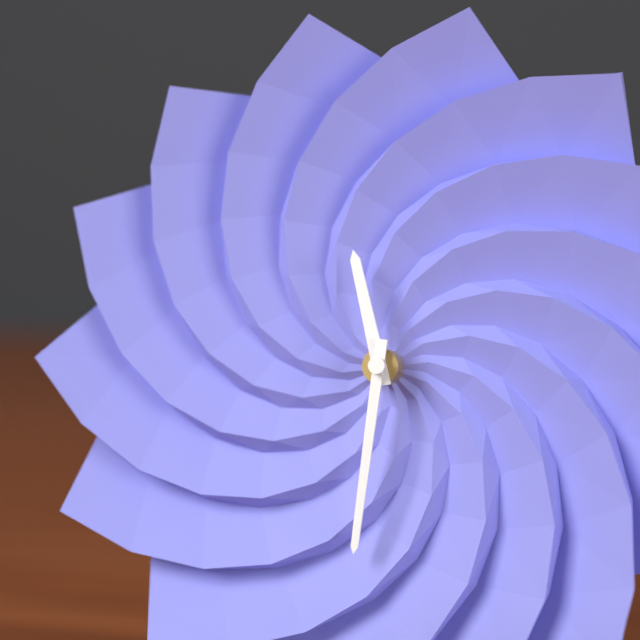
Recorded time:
11h31
